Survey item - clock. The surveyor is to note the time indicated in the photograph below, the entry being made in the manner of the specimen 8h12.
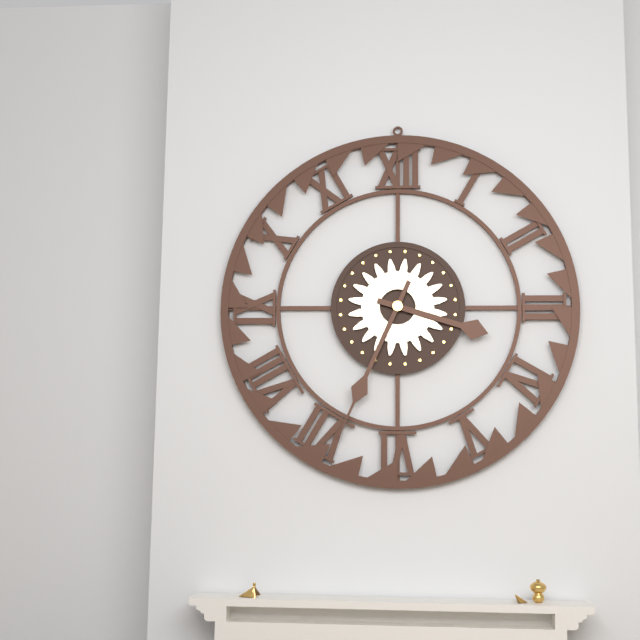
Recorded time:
3h34
